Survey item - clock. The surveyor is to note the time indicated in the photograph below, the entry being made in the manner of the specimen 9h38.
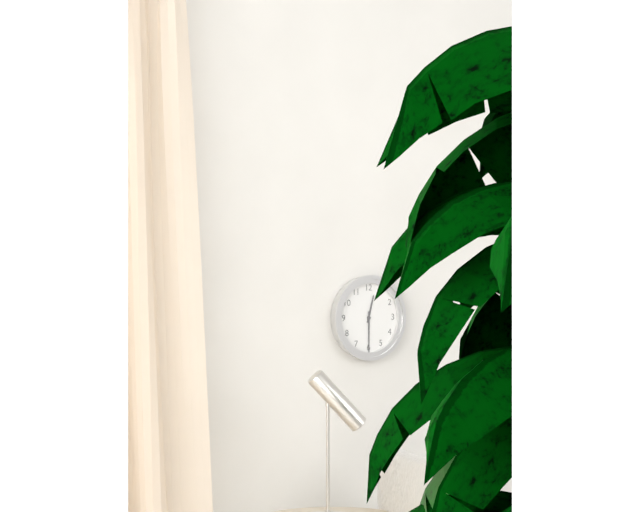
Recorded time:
12h30
